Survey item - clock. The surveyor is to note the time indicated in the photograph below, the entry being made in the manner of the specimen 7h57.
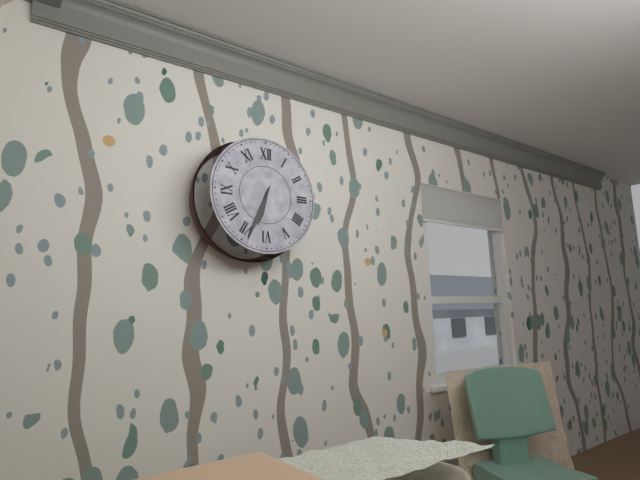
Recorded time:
6h34
